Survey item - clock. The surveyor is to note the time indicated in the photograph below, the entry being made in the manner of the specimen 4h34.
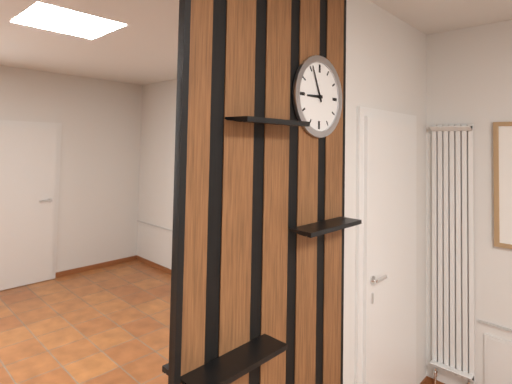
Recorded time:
8h56
